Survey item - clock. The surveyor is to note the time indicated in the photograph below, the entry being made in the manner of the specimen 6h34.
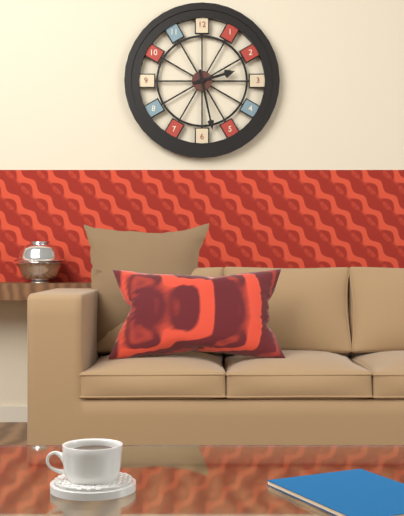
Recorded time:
2h28
